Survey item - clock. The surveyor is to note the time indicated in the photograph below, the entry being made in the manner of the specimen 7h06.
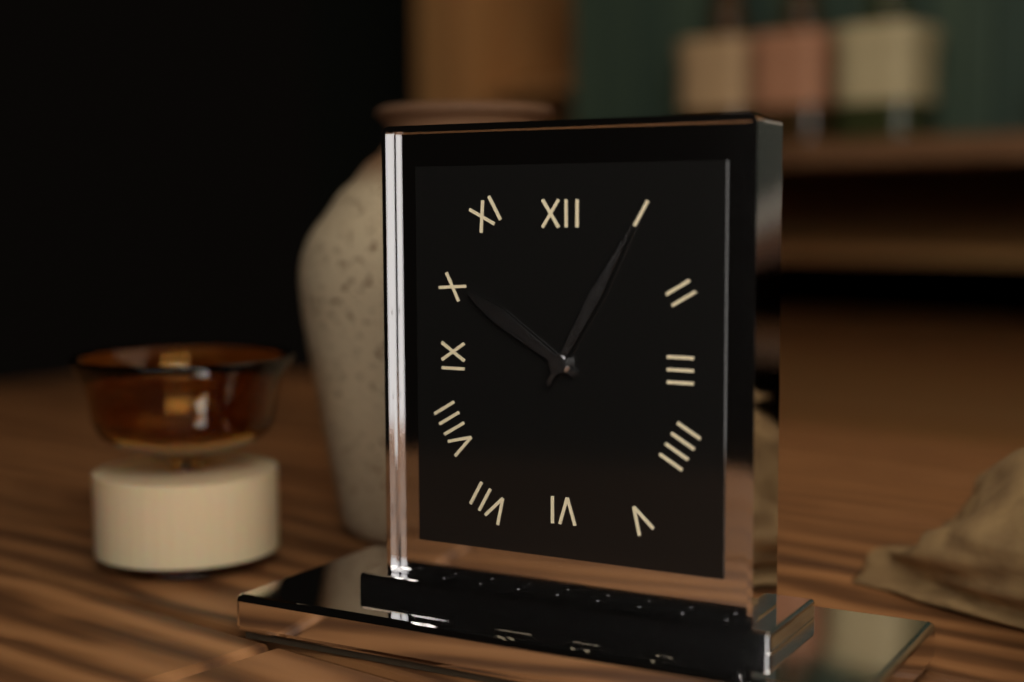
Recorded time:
10h05
